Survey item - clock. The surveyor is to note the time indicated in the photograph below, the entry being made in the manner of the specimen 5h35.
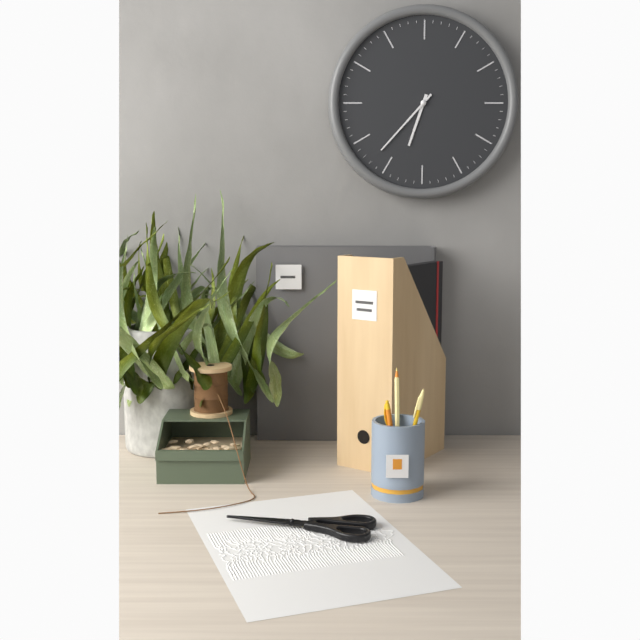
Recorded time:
6h37
